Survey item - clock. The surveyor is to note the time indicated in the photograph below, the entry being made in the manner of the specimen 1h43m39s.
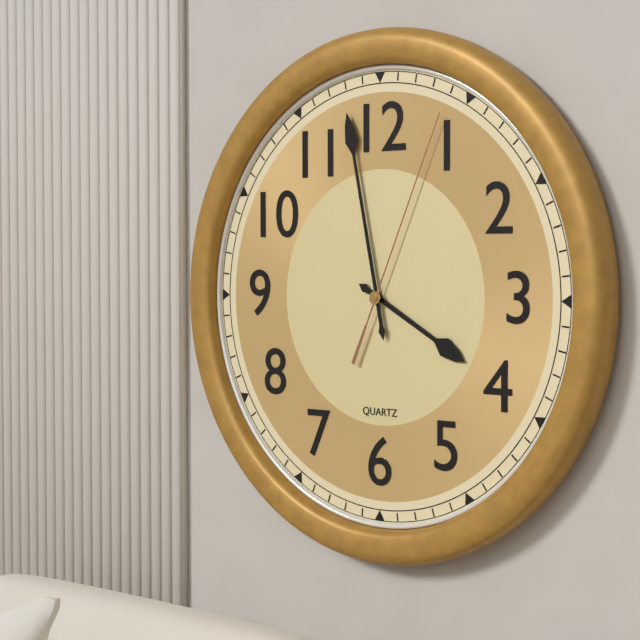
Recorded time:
3h58m04s
